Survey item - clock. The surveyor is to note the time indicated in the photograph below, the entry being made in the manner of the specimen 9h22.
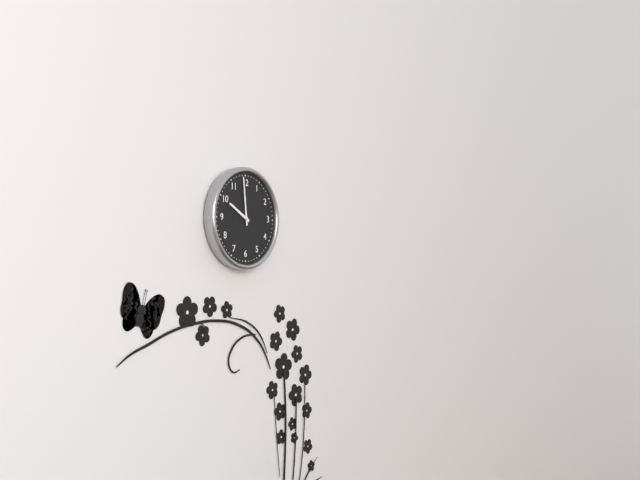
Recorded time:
9h59
